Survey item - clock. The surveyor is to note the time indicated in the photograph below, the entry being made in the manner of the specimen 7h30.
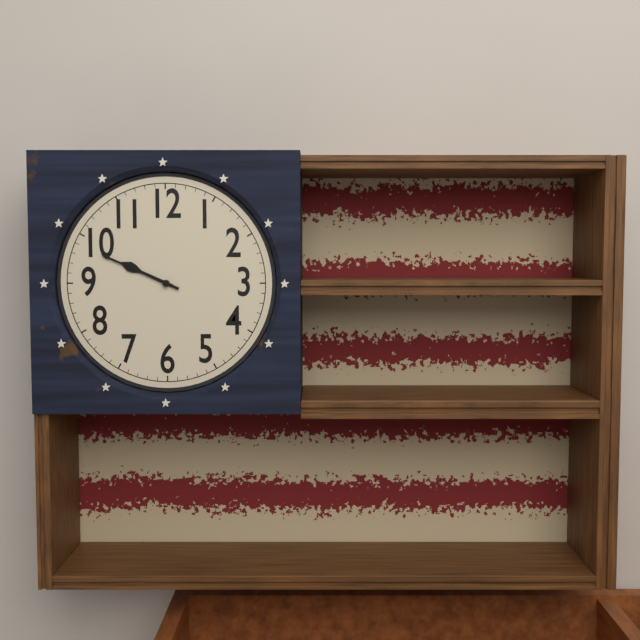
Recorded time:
9h49
